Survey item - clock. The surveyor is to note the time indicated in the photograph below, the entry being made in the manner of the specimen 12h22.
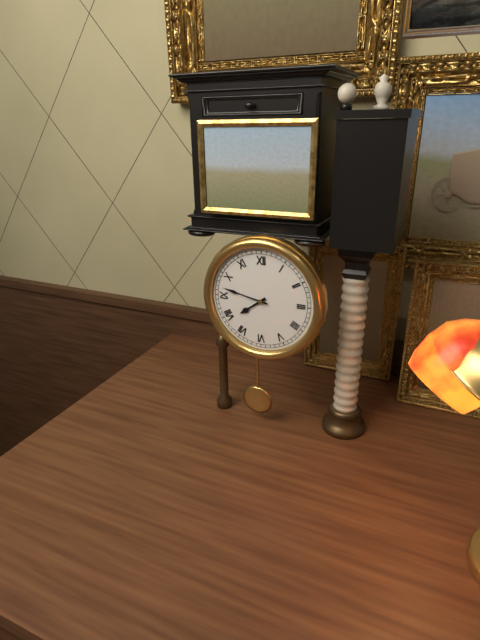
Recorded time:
7h47
